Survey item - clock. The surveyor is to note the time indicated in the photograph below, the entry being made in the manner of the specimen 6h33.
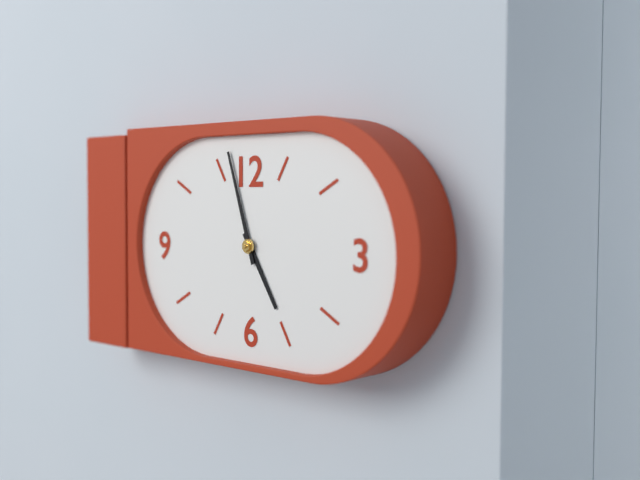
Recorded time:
4h57
